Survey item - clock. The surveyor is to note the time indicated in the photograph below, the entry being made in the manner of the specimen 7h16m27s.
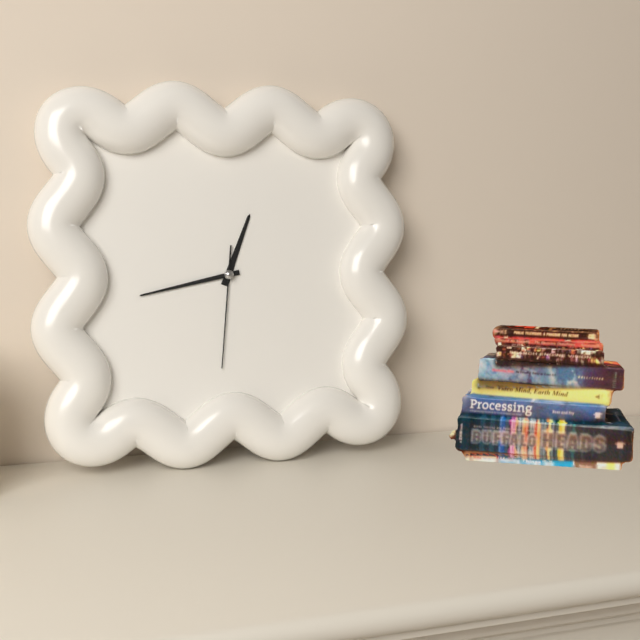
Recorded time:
12h43m31s
